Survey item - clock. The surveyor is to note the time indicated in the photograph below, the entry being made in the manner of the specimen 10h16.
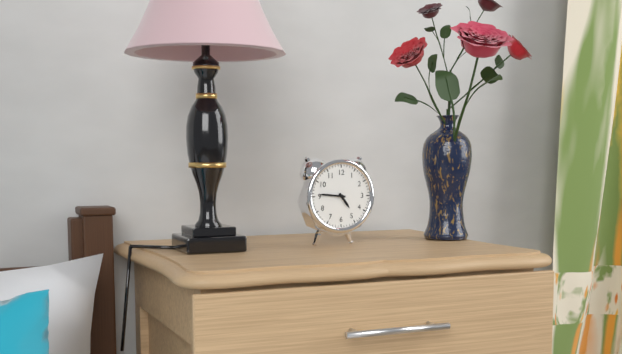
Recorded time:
4h46
